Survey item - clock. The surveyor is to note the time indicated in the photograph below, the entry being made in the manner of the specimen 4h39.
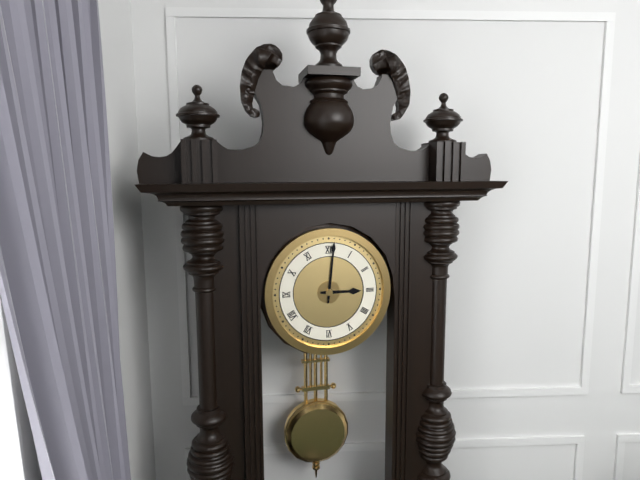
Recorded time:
3h01
